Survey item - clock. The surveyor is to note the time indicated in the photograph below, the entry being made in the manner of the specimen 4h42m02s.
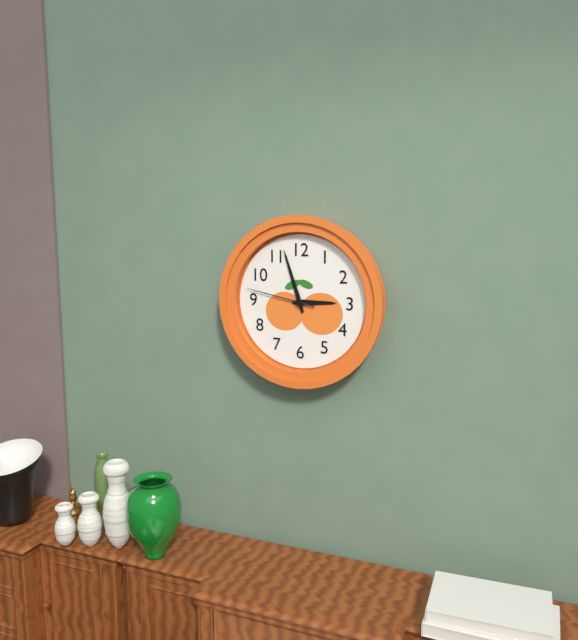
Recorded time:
2h57m47s
